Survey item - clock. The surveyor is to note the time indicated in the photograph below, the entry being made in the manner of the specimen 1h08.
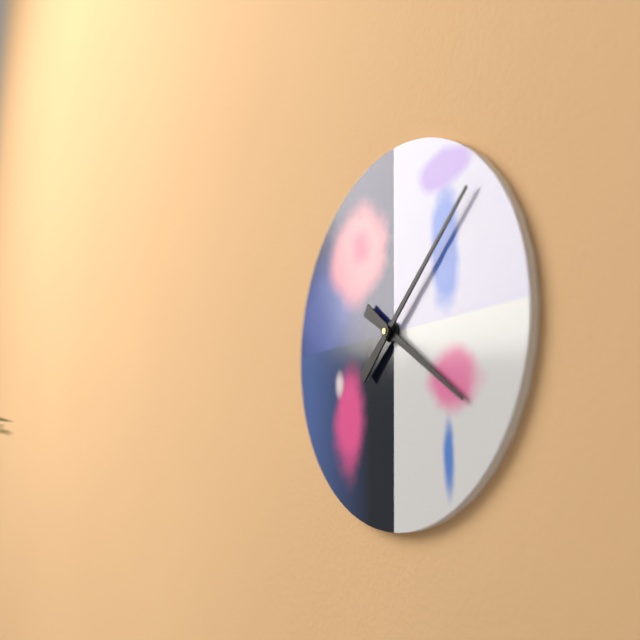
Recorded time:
4h08
